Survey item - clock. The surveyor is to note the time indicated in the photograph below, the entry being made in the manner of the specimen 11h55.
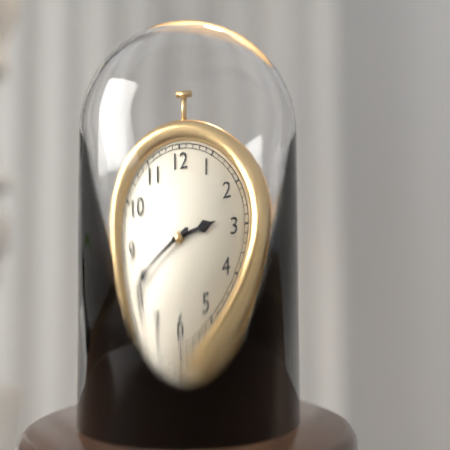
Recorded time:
2h41
